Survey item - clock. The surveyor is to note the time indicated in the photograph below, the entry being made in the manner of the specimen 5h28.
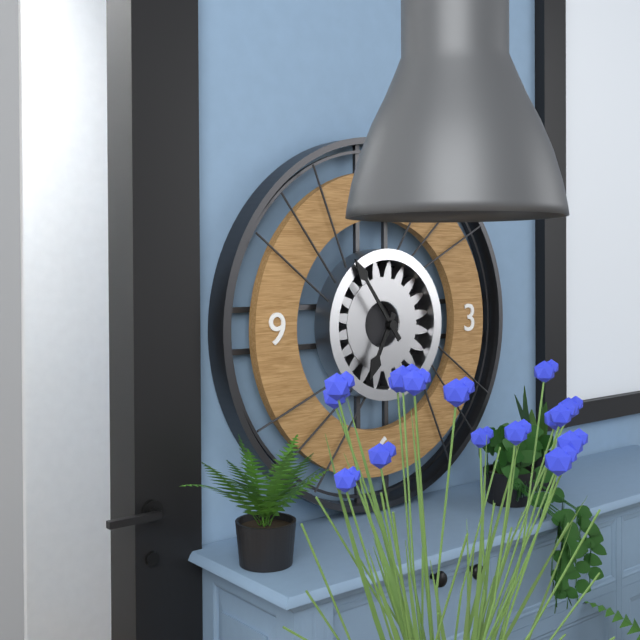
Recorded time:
6h54
